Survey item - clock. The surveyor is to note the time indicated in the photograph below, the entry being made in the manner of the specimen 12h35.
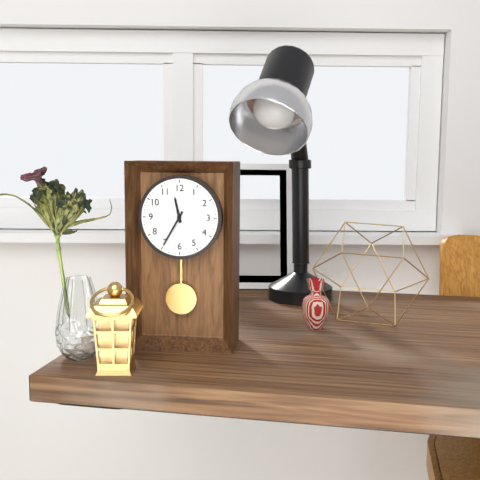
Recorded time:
11h35
